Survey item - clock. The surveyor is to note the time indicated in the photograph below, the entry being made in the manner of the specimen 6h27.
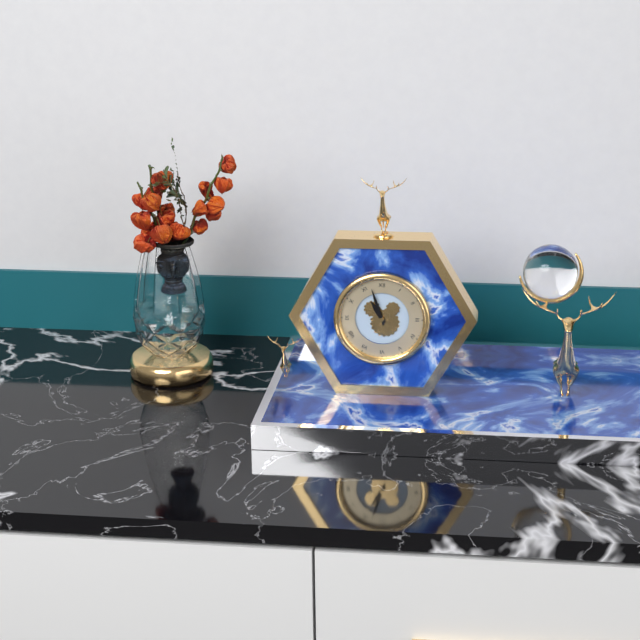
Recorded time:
10h57
